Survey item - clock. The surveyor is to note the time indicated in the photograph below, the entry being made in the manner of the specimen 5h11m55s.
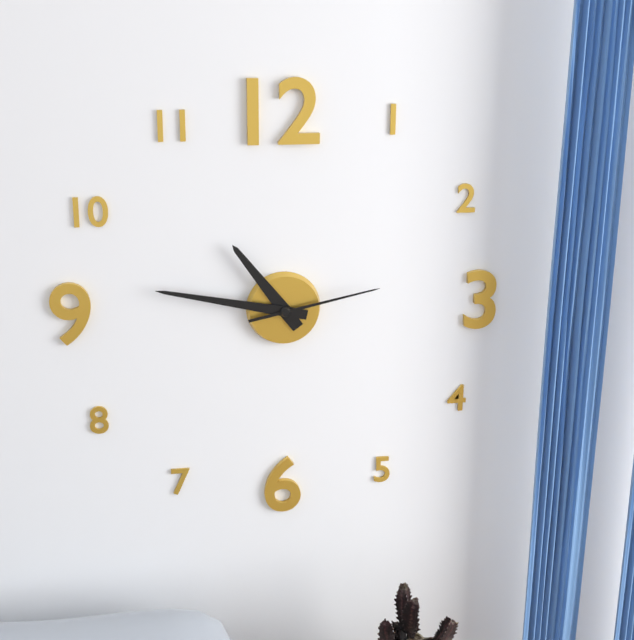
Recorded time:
10h47m13s
